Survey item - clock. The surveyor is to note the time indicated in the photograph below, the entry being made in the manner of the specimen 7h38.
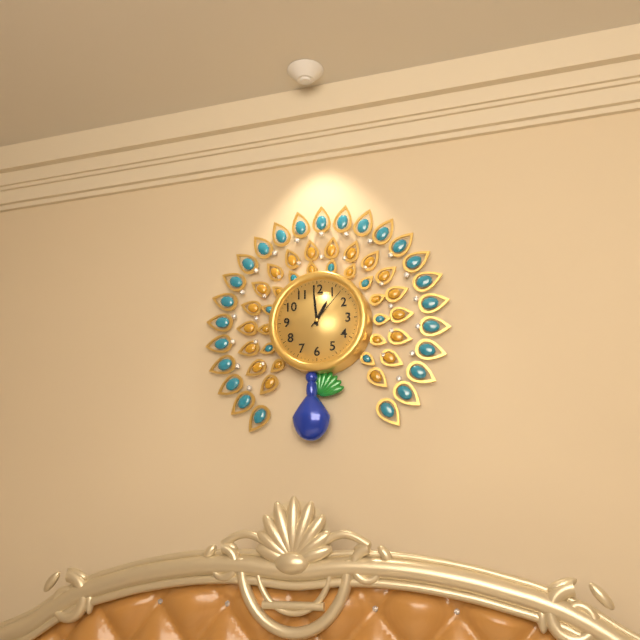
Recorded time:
12h59
